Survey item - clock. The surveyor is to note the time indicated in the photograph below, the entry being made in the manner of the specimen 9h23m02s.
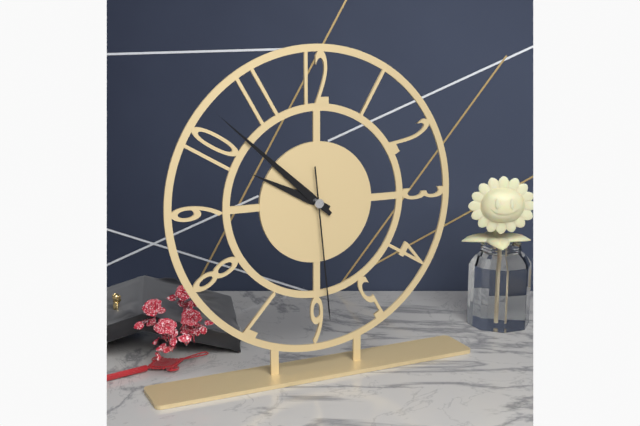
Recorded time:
9h52m29s
